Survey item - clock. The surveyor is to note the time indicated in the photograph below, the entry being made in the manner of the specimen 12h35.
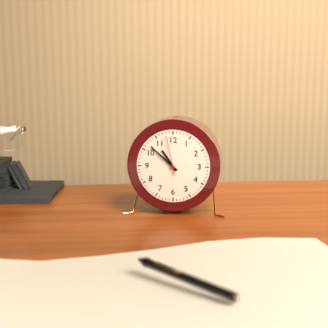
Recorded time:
10h52
